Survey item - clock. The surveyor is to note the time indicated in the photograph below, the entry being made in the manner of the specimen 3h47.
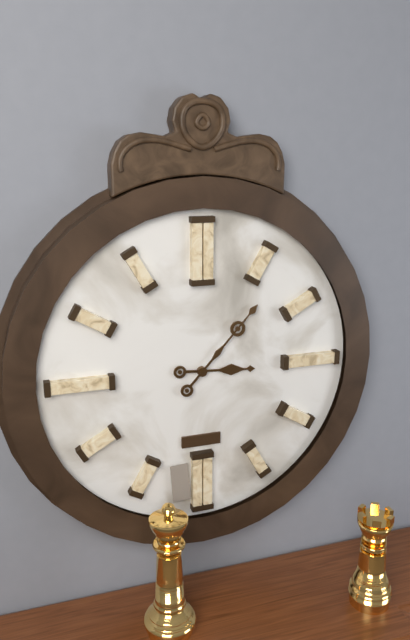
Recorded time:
3h07
